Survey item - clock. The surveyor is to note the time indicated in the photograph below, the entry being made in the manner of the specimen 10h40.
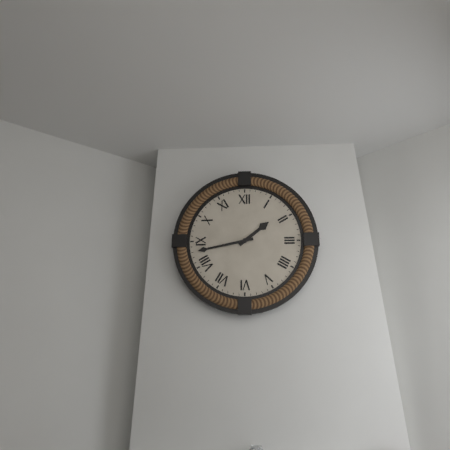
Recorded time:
1h43
